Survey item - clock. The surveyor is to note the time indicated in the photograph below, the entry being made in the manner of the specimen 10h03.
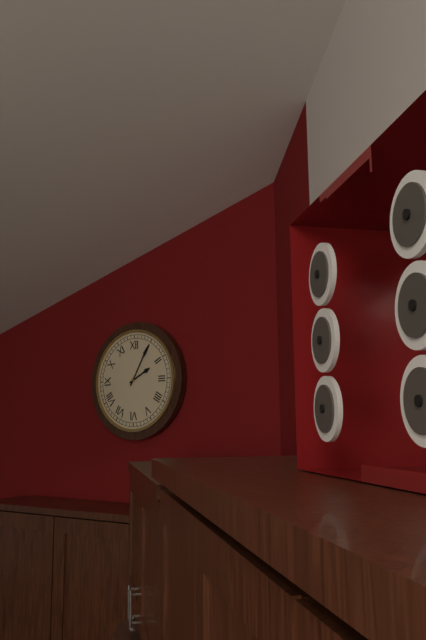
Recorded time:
2h05
